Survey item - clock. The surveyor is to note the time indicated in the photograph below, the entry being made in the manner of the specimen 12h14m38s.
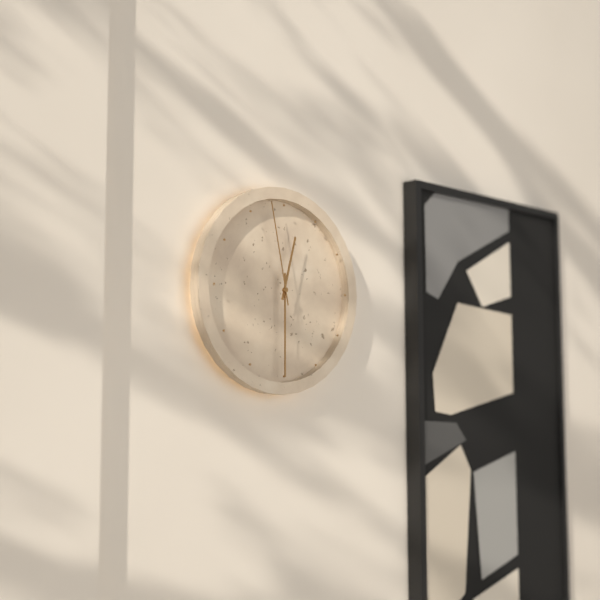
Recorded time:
12h30m58s
